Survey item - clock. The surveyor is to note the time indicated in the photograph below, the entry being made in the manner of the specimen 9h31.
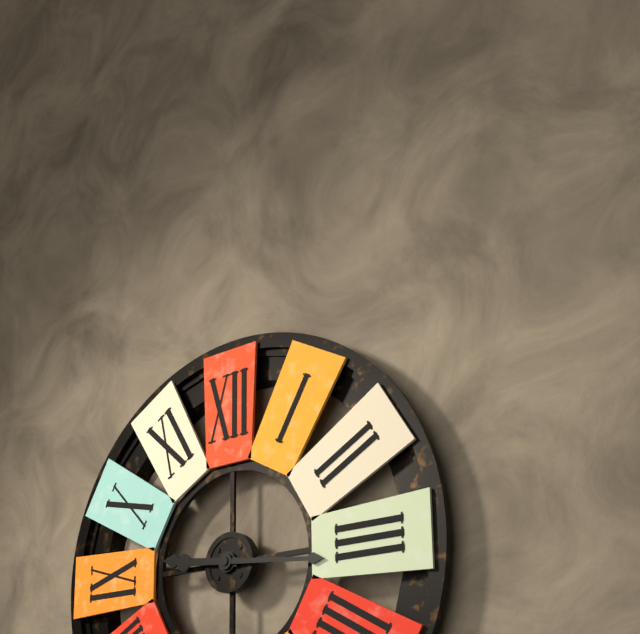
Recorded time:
9h16
